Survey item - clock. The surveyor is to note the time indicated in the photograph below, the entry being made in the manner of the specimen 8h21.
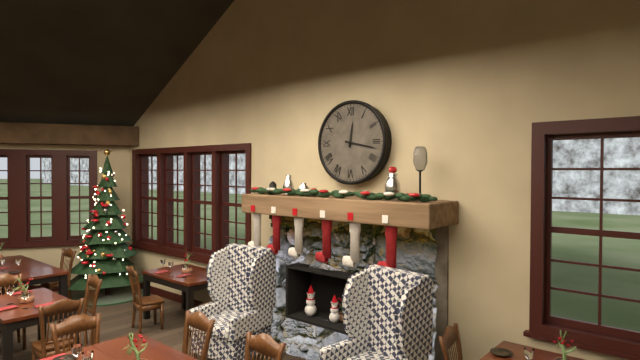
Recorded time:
12h17
